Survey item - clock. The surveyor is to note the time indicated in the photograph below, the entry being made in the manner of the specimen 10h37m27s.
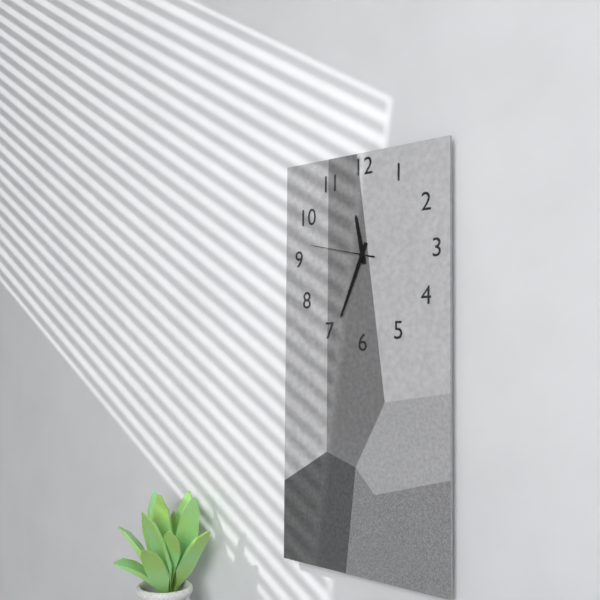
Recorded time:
11h34m47s
